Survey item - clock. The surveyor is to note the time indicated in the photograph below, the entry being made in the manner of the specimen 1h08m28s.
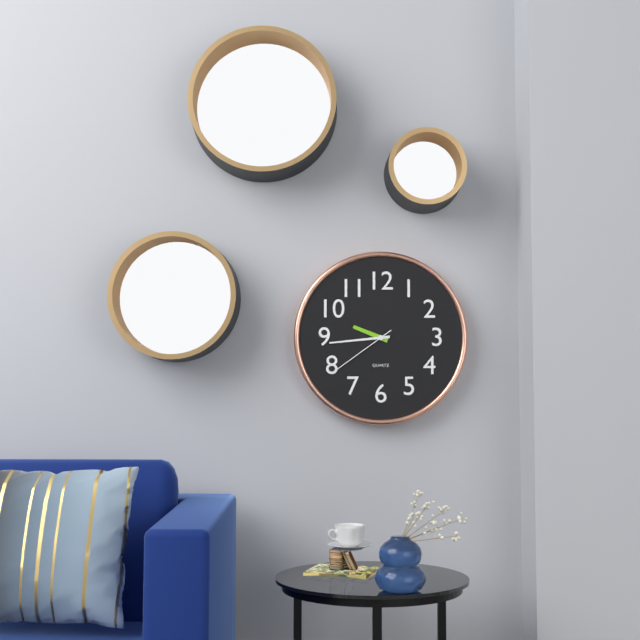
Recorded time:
9h44m39s
